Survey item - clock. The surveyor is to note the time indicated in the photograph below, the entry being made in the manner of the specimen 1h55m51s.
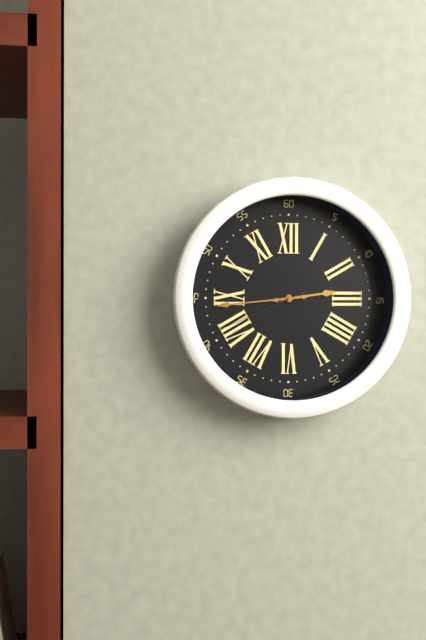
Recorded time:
2h44m41s
